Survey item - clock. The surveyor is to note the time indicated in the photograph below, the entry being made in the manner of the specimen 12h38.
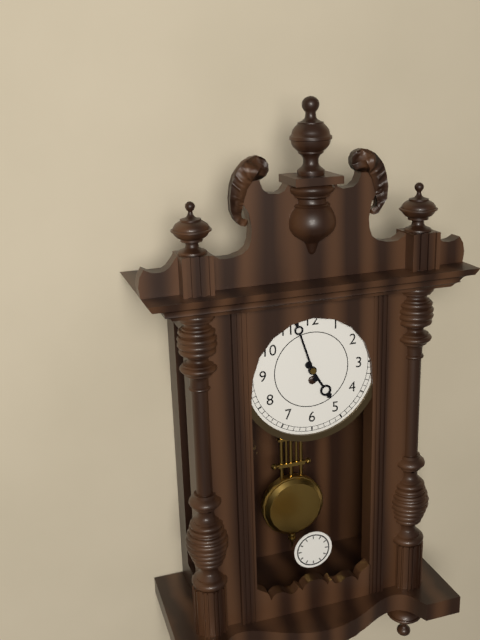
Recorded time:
4h57
